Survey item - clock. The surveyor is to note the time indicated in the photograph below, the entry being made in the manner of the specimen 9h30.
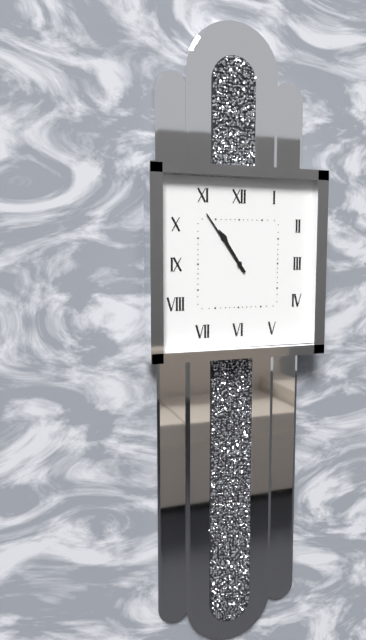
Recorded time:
10h54
